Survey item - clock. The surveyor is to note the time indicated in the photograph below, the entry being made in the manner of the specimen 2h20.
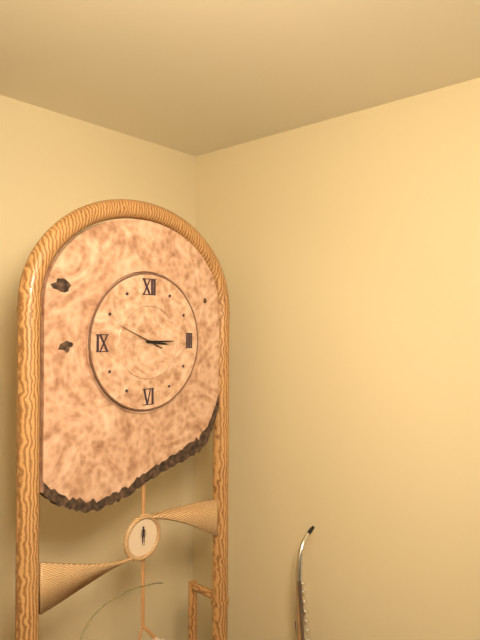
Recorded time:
3h15
